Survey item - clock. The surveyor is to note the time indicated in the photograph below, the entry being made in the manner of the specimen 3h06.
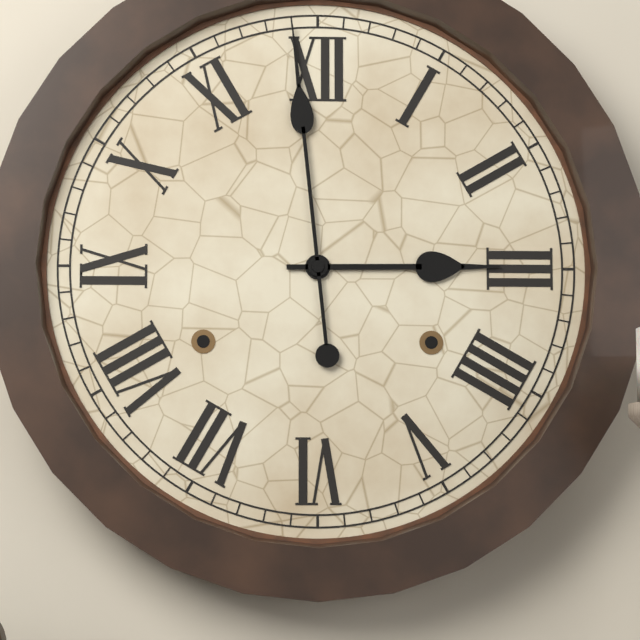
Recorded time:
2h59
